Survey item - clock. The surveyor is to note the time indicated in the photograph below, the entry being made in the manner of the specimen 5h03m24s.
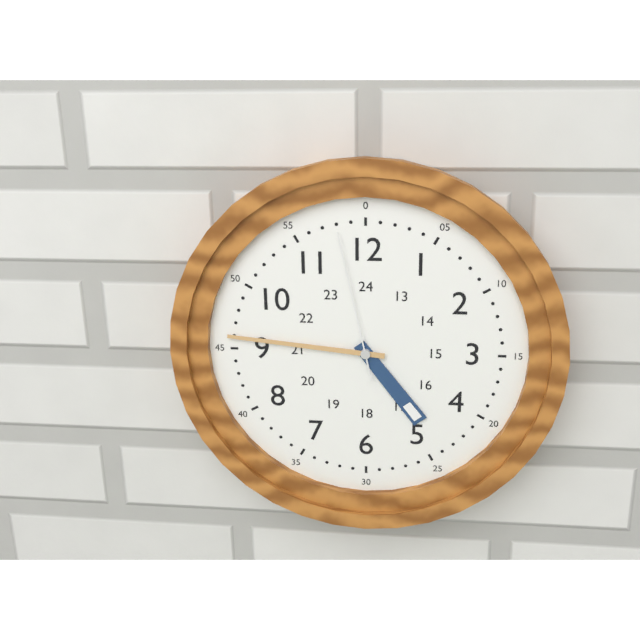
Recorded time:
4h46m58s
